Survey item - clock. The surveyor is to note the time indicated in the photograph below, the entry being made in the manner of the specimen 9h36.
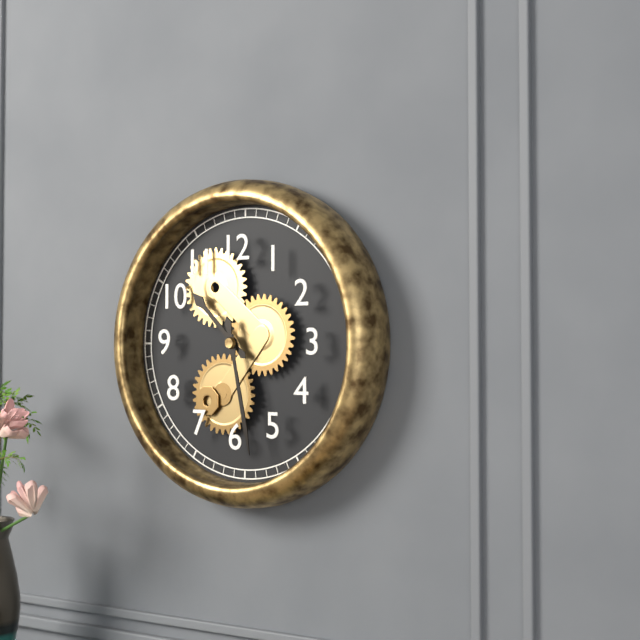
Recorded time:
10h28
